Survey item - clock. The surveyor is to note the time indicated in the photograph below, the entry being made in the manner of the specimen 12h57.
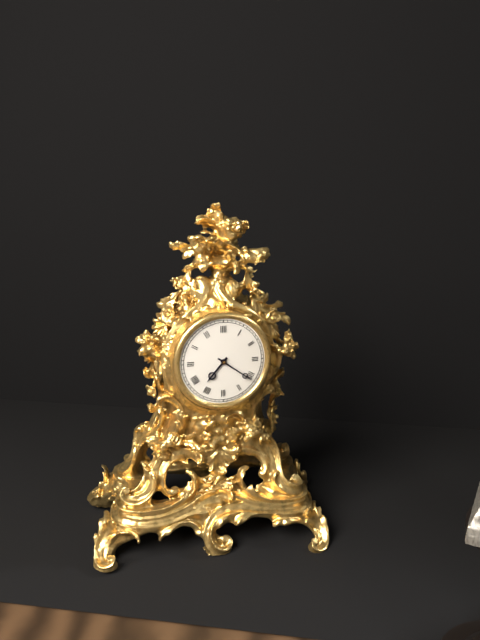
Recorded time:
7h21
